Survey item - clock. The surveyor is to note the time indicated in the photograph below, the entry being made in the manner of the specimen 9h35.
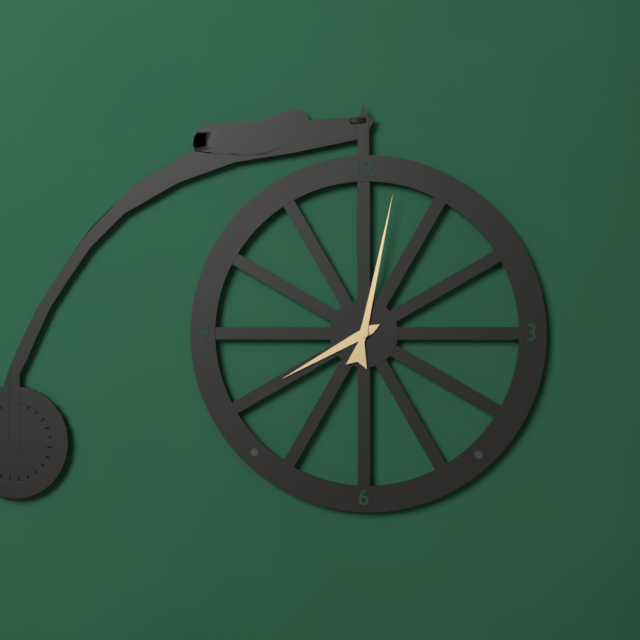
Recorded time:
8h02
